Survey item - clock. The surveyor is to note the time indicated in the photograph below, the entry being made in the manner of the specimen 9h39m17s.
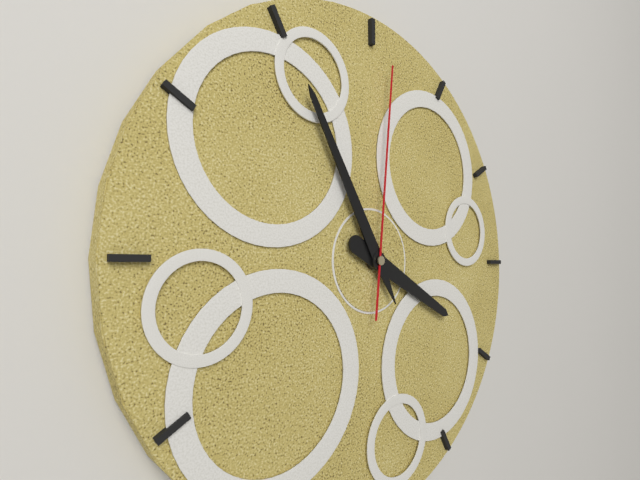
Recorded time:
3h55m01s
